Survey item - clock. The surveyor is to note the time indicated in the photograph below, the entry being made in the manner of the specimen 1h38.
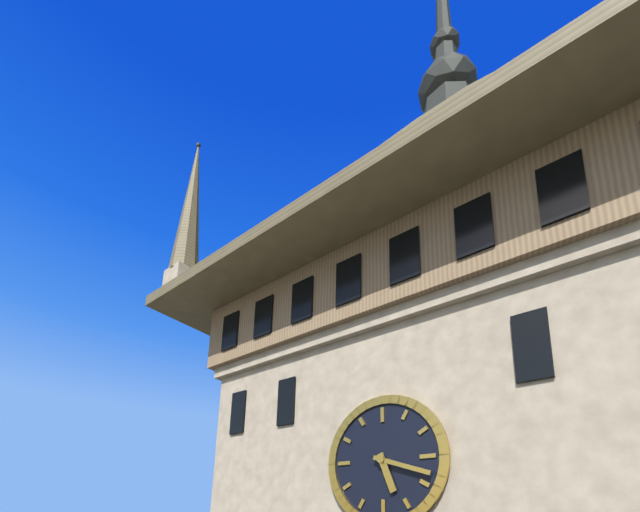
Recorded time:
5h18
